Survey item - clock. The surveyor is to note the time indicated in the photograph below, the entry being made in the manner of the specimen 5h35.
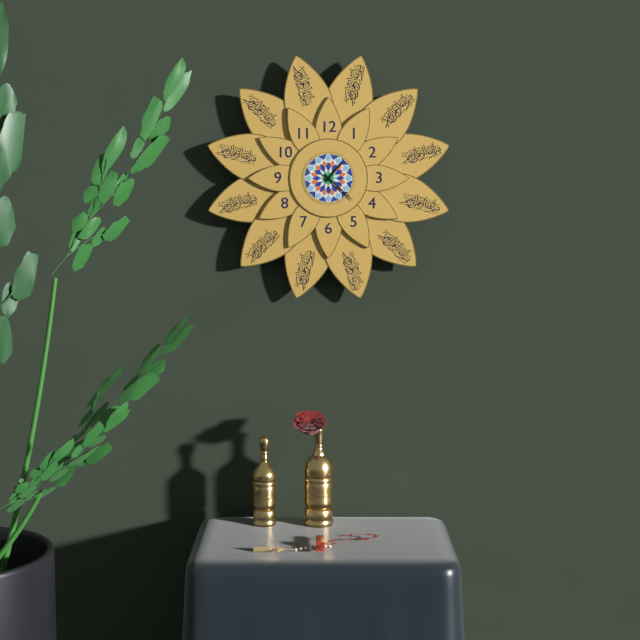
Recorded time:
1h22
